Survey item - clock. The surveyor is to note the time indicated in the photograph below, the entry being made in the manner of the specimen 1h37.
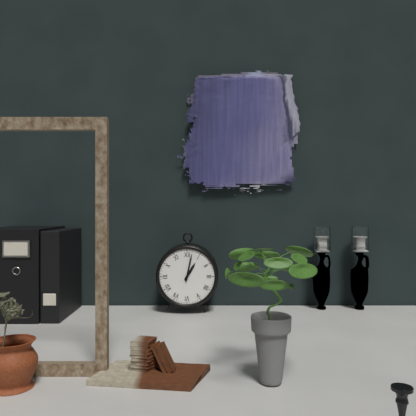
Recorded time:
1h02
